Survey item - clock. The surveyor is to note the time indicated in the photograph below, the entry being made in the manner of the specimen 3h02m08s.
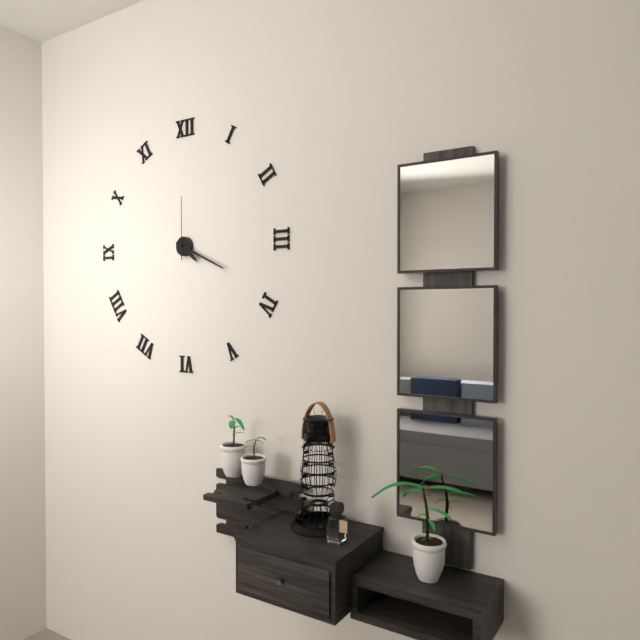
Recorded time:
4h19m00s
